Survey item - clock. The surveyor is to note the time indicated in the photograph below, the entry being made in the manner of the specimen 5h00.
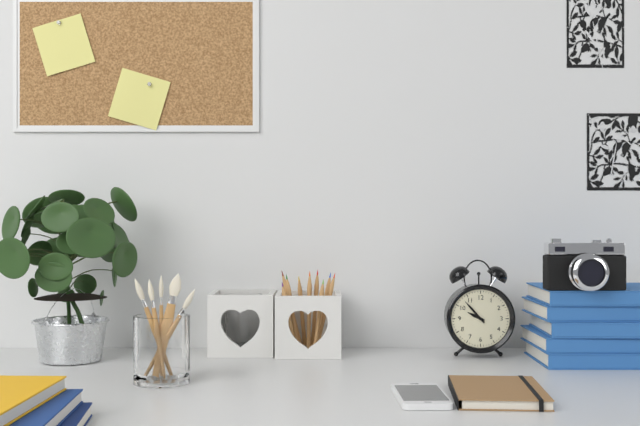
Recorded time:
9h53
